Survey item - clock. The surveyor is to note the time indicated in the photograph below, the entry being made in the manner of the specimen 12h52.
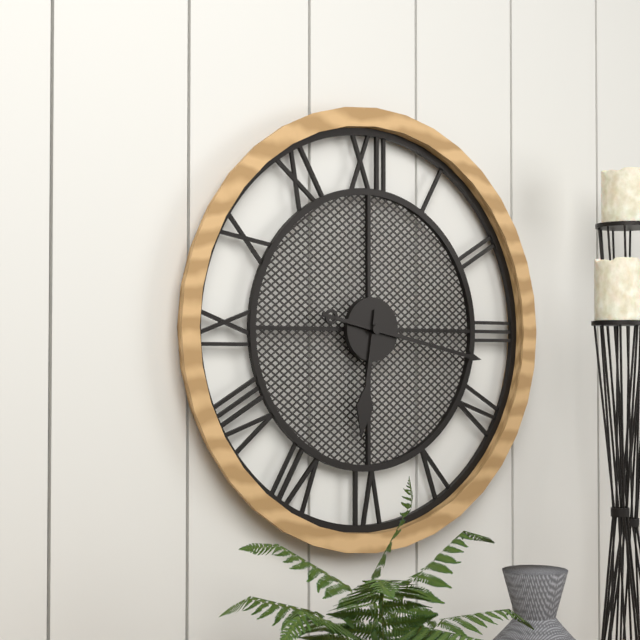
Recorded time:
6h17
